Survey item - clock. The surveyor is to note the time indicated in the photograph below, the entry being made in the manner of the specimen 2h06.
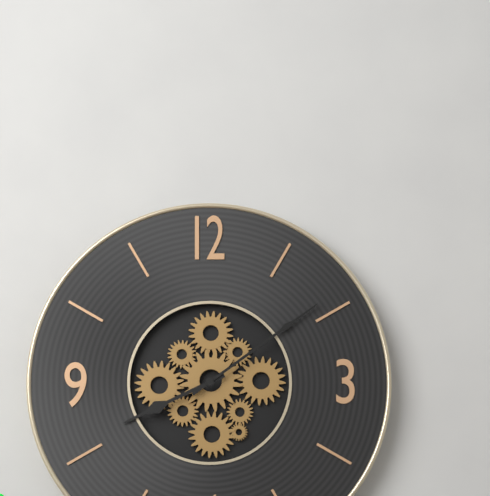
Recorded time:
8h09
